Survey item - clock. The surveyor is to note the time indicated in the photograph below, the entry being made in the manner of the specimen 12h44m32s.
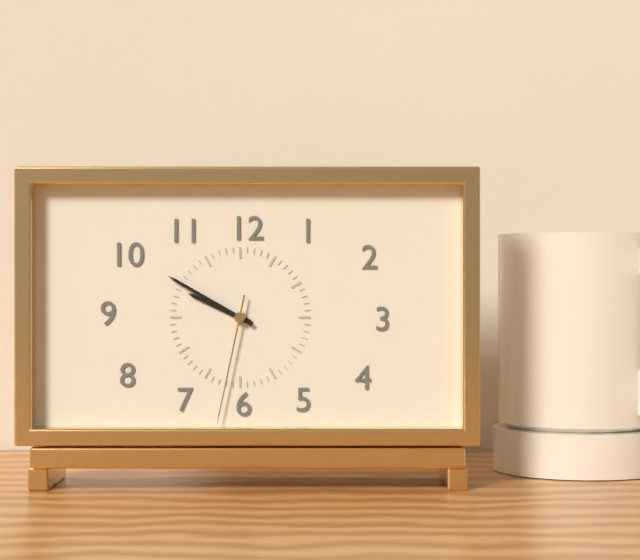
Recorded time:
9h50m32s
